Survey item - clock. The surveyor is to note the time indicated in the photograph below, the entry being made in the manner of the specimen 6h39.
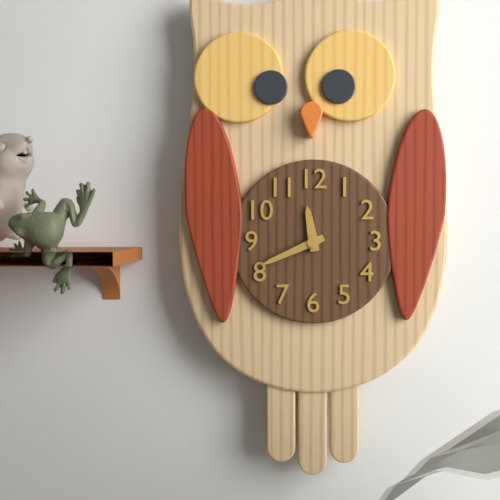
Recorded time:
11h41
